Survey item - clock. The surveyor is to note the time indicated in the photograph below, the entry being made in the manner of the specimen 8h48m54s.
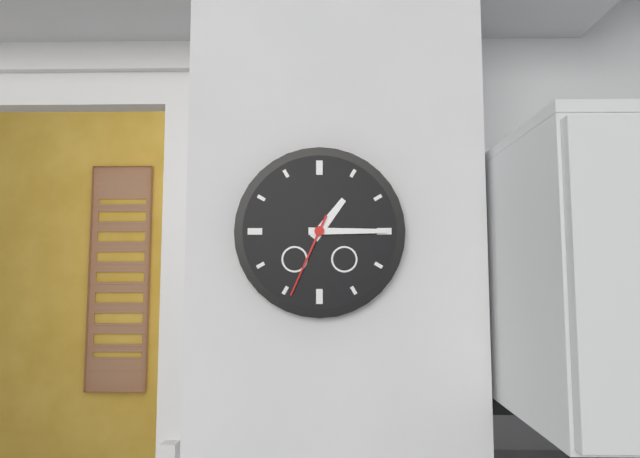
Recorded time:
1h15m34s
